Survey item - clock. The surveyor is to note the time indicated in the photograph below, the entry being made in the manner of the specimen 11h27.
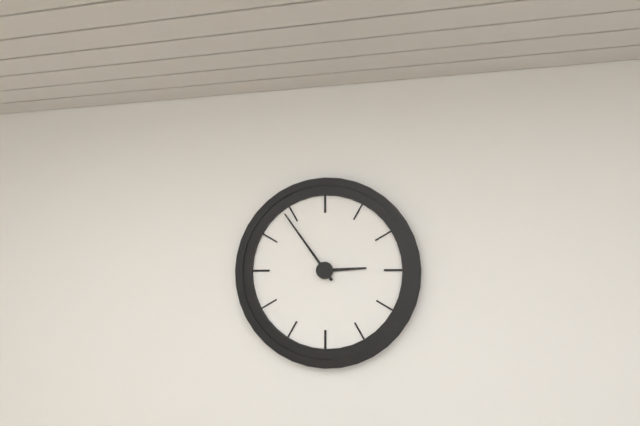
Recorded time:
2h54
